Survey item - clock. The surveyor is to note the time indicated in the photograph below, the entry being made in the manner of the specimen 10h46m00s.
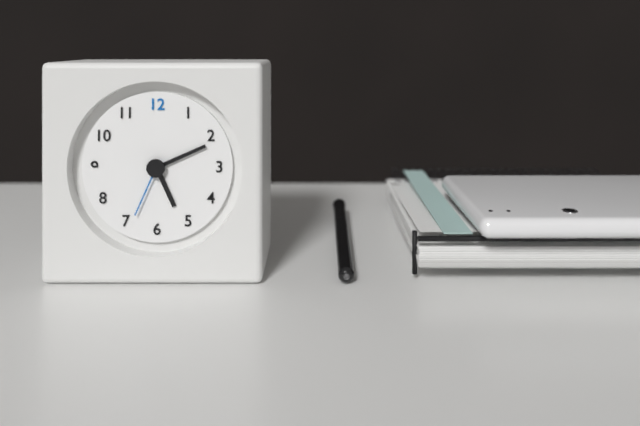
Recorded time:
5h11m34s
